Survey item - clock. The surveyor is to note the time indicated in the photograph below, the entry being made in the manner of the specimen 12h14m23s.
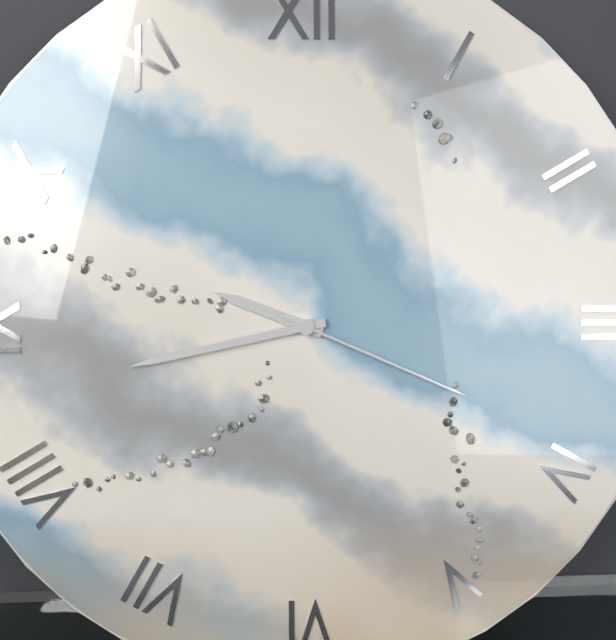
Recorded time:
9h43m19s
